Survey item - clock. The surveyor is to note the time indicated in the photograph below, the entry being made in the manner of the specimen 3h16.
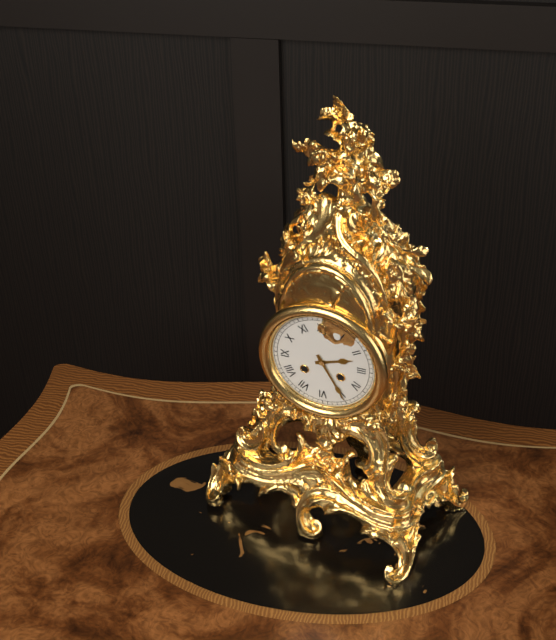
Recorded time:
2h25
